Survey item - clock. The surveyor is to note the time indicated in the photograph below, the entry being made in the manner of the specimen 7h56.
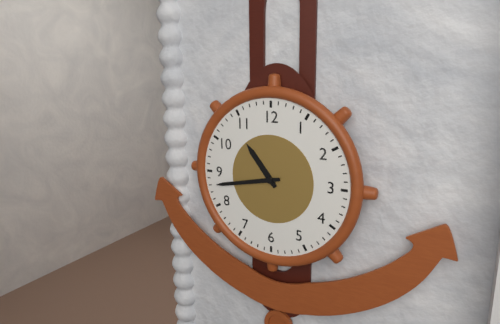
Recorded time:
10h43
